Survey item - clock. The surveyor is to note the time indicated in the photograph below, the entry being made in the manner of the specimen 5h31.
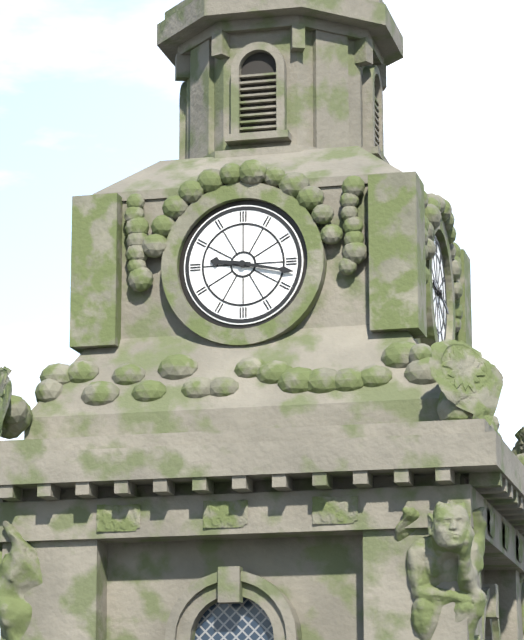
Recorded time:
9h17
